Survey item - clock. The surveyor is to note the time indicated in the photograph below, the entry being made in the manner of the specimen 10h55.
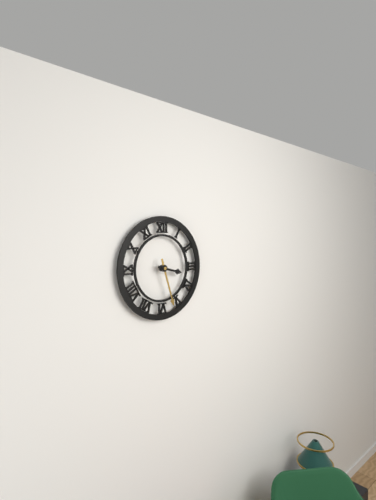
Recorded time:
3h27
